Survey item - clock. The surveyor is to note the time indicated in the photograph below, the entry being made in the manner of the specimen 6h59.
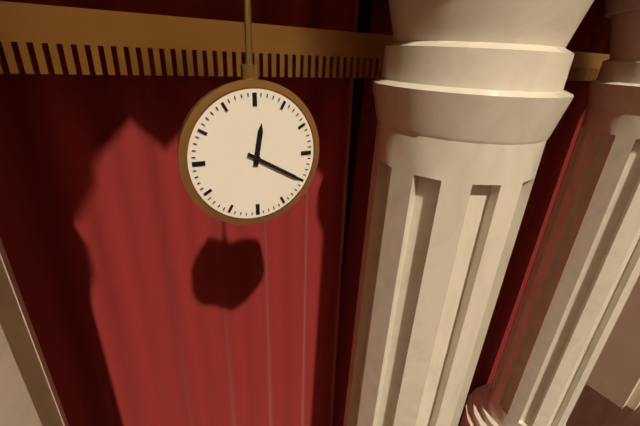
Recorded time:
12h20
